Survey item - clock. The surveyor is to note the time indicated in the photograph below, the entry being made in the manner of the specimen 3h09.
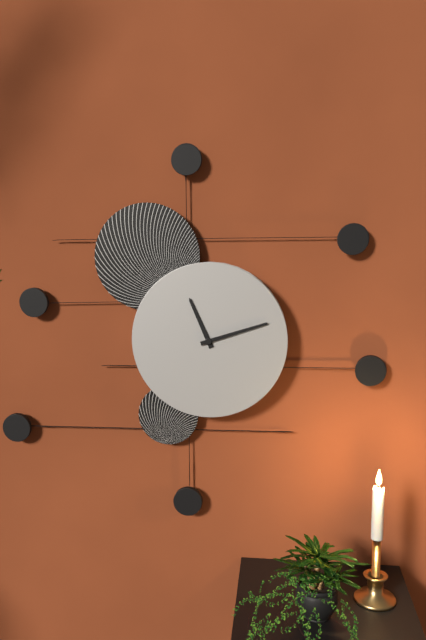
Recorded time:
11h12
